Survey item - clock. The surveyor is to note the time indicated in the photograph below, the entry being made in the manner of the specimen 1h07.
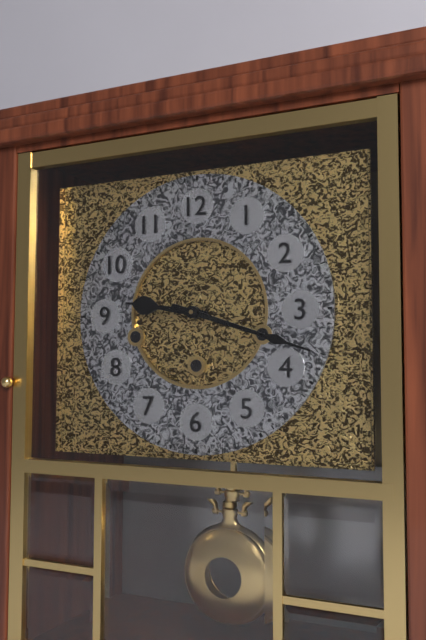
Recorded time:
9h18
